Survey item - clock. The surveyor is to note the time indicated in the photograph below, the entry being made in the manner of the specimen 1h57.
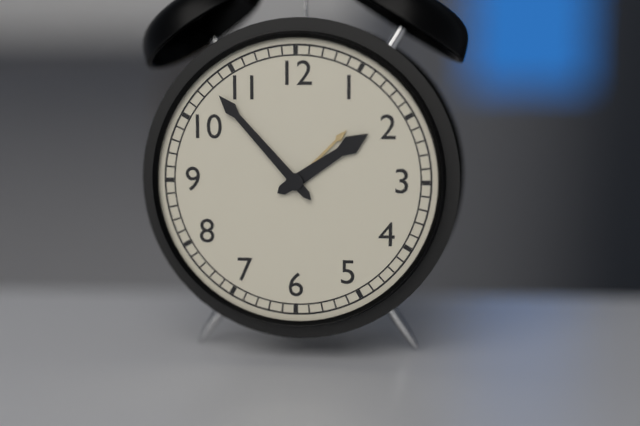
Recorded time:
1h53
